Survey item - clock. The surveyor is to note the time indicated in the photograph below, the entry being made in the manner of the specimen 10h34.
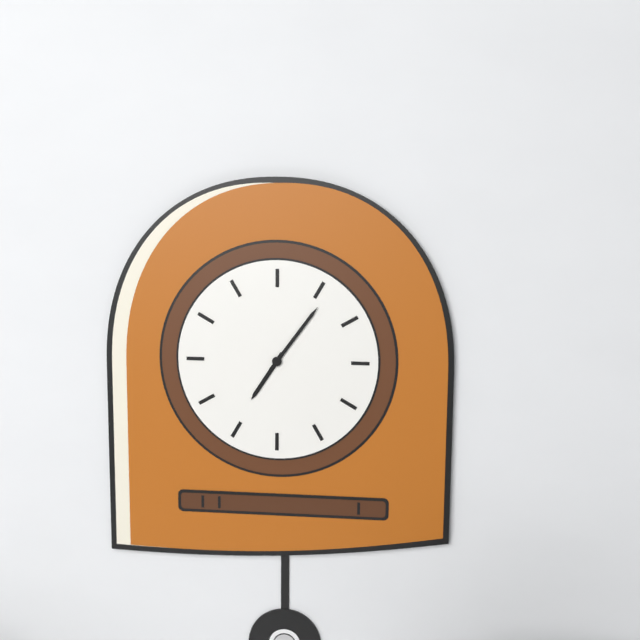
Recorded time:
7h06
